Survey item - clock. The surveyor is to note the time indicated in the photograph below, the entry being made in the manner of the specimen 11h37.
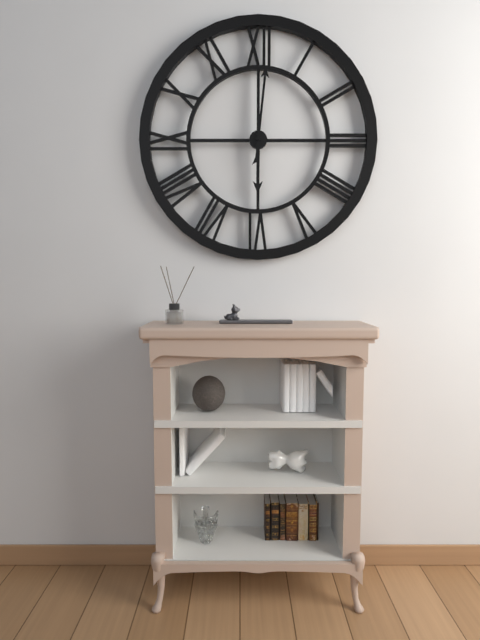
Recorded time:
6h01
